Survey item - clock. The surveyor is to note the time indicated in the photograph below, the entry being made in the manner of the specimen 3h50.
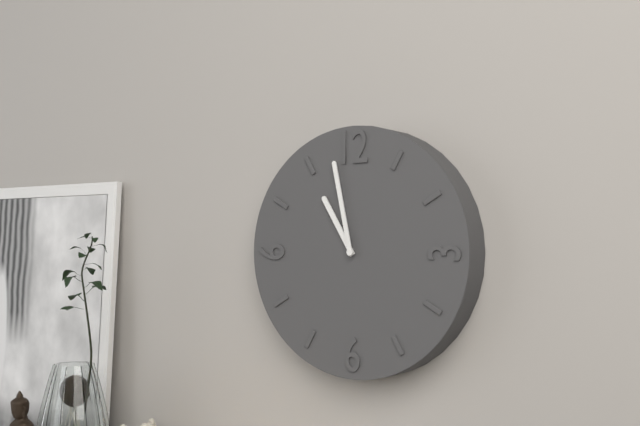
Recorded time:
10h58
